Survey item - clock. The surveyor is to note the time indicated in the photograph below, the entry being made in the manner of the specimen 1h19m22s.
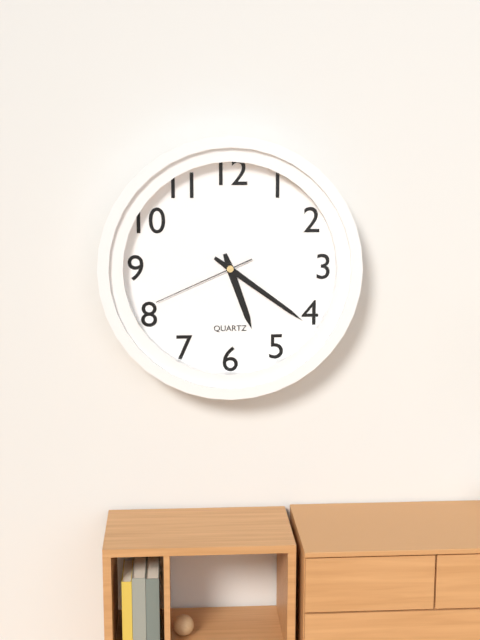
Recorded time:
5h21m41s
